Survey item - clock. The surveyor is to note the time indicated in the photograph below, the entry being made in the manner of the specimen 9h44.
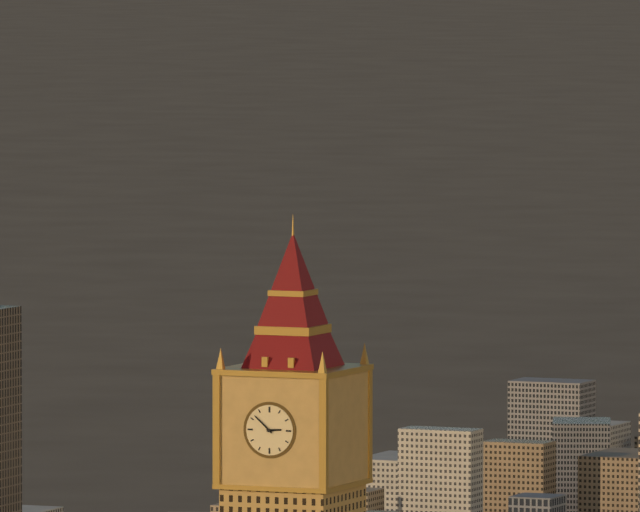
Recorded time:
2h52
